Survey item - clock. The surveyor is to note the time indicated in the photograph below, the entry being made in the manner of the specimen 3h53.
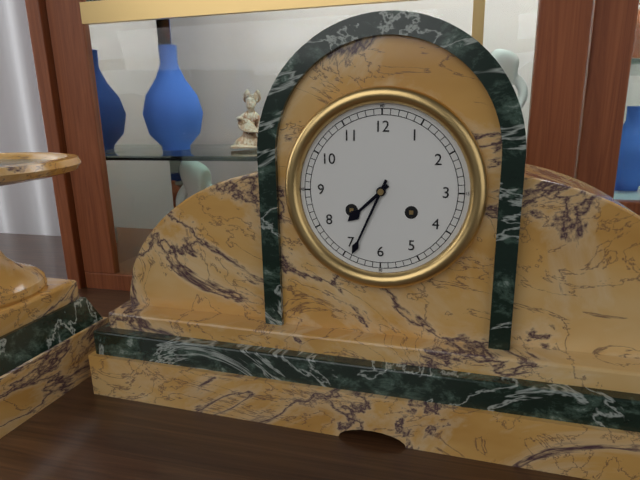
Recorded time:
7h34
